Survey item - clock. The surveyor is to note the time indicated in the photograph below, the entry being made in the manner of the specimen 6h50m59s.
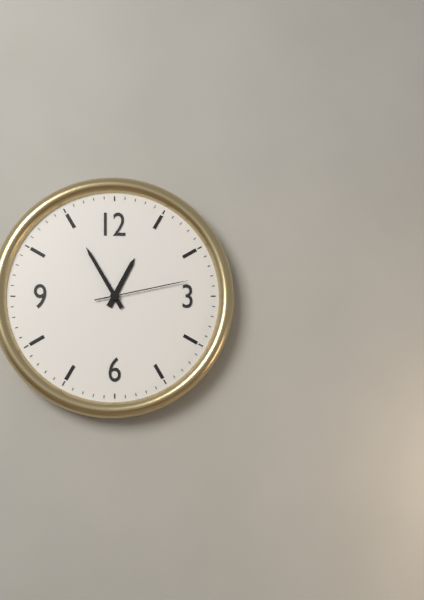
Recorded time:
12h55m13s
